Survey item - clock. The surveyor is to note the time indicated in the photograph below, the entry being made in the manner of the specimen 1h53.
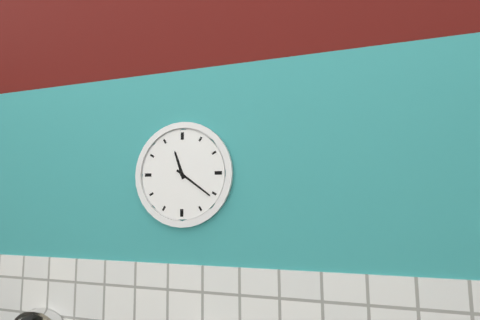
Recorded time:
11h21
